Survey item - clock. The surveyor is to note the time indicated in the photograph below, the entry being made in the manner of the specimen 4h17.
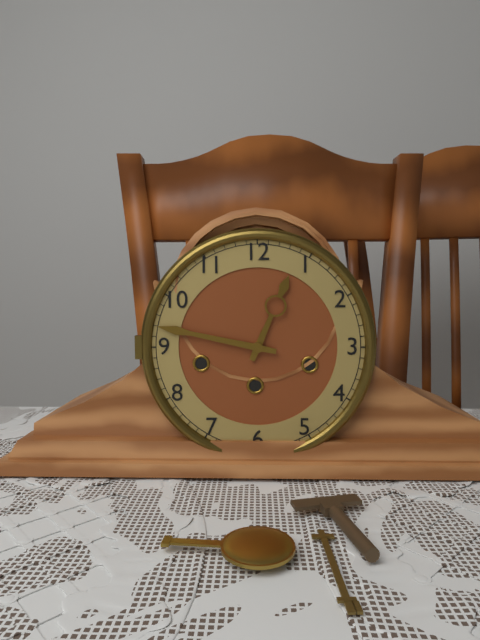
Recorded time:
12h47
